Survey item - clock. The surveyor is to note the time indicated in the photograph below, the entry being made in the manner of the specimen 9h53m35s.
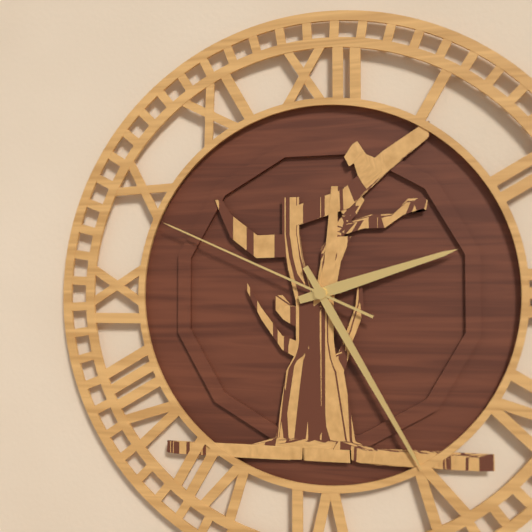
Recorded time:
2h25m49s
